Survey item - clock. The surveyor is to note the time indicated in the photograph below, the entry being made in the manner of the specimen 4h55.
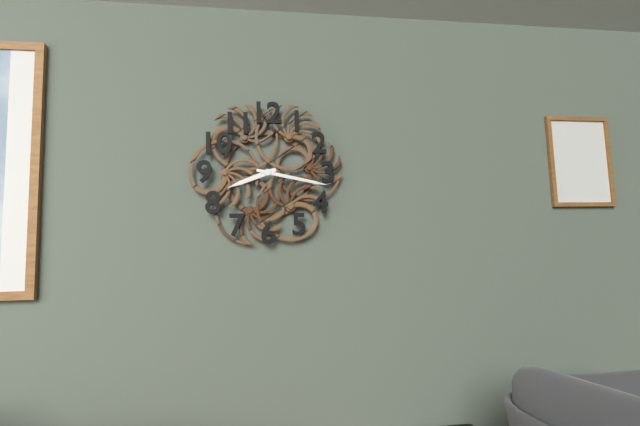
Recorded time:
8h17
